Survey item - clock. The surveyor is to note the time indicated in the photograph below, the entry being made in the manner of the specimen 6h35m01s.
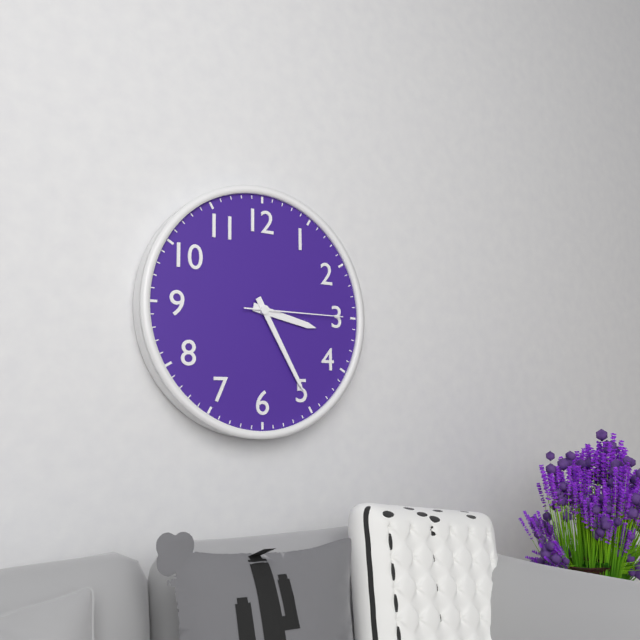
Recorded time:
3h25m15s
